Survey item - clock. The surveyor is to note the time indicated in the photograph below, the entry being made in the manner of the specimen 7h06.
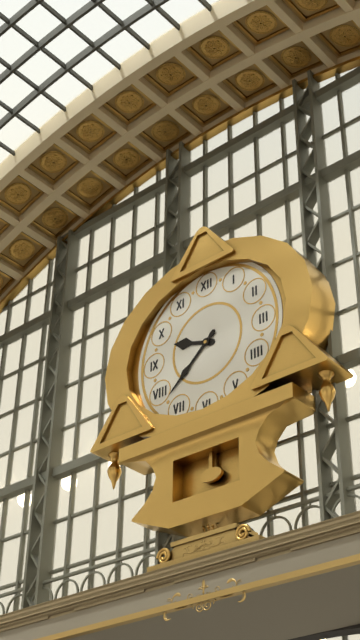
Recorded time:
9h38
